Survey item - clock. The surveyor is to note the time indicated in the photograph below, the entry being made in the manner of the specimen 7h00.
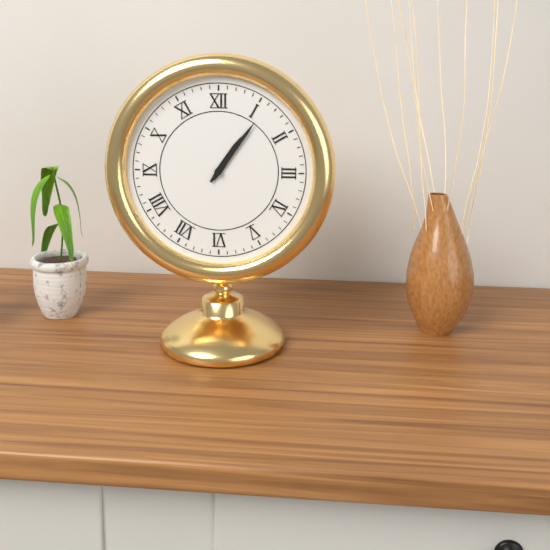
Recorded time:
1h06
